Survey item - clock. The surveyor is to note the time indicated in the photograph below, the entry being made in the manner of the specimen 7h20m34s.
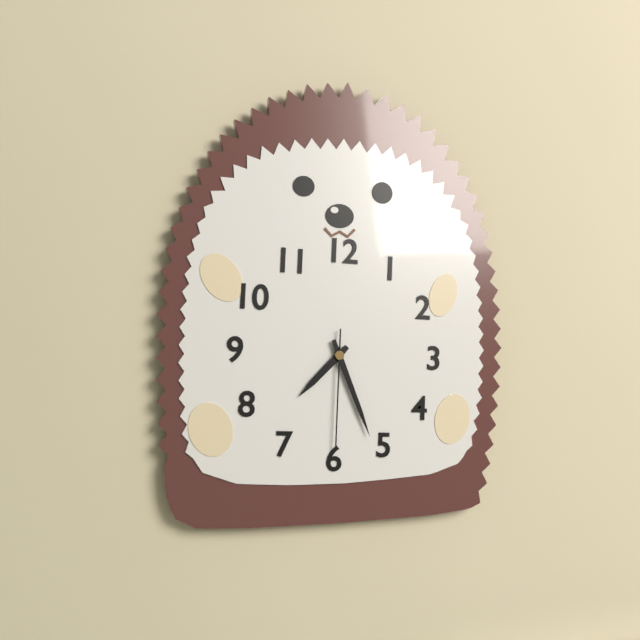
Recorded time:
7h26m30s
